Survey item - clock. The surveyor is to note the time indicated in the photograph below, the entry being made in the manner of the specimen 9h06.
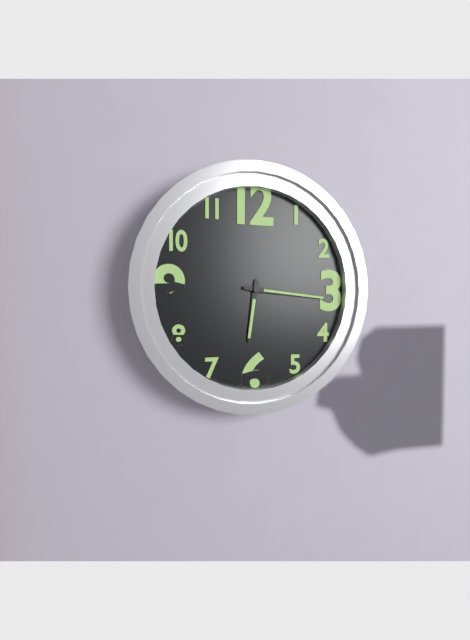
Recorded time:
6h16
